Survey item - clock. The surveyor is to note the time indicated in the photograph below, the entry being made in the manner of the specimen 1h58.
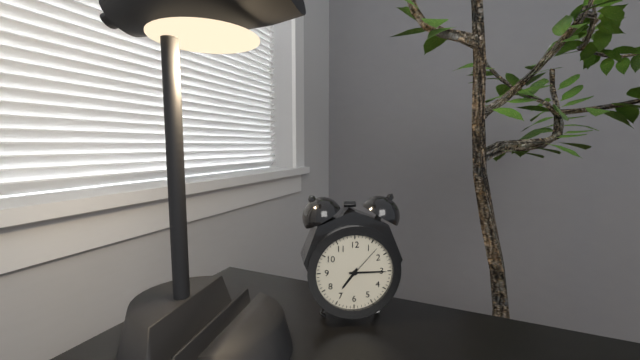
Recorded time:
7h15
